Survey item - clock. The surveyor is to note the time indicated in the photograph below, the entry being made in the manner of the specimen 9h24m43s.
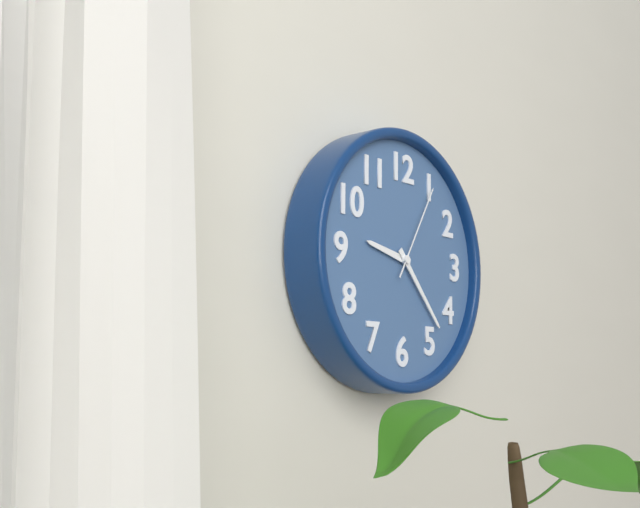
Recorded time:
9h23m05s
